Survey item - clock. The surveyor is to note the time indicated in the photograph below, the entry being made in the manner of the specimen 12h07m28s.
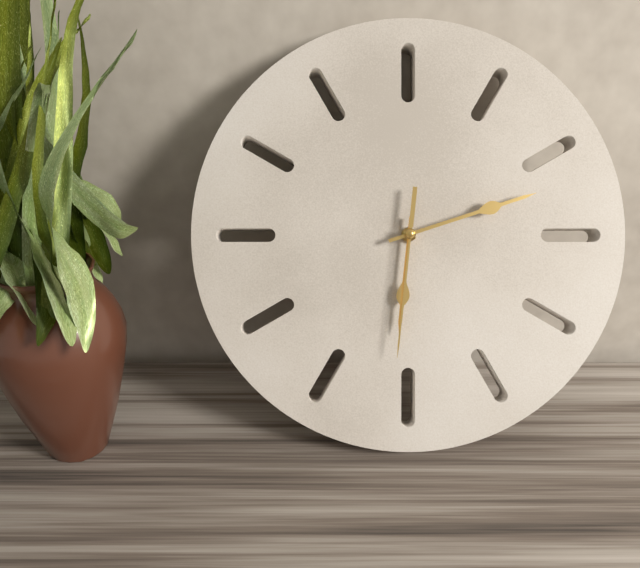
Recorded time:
6h12m31s
